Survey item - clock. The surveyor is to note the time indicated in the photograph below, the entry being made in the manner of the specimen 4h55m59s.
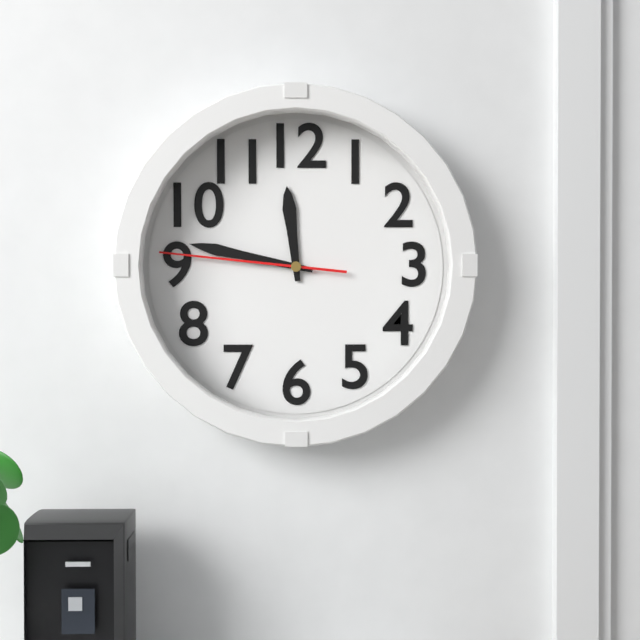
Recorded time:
11h47m46s
